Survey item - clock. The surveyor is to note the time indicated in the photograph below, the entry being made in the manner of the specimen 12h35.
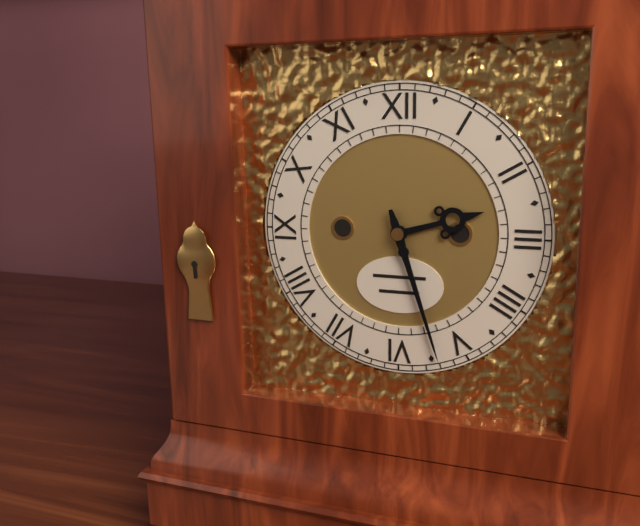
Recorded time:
2h27
